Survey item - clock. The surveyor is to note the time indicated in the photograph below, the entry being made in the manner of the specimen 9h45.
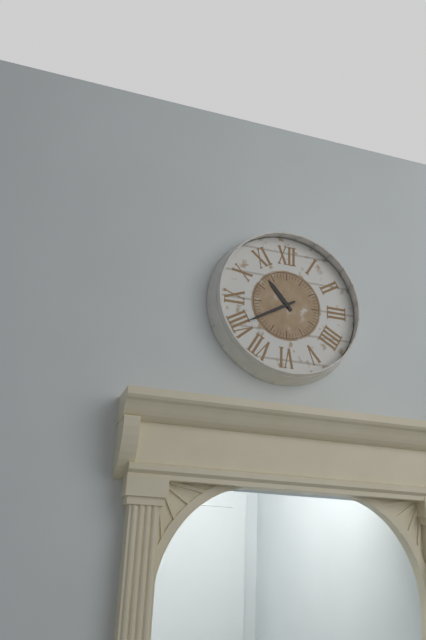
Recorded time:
10h40
